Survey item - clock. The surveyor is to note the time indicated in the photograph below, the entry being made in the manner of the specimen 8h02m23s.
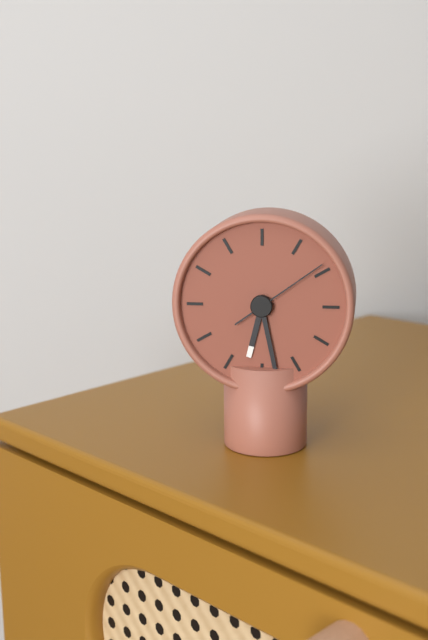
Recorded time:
6h28m09s
